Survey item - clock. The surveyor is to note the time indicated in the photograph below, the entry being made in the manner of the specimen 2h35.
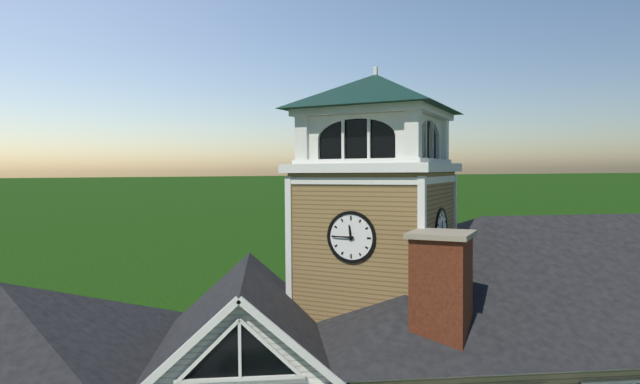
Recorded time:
11h45
